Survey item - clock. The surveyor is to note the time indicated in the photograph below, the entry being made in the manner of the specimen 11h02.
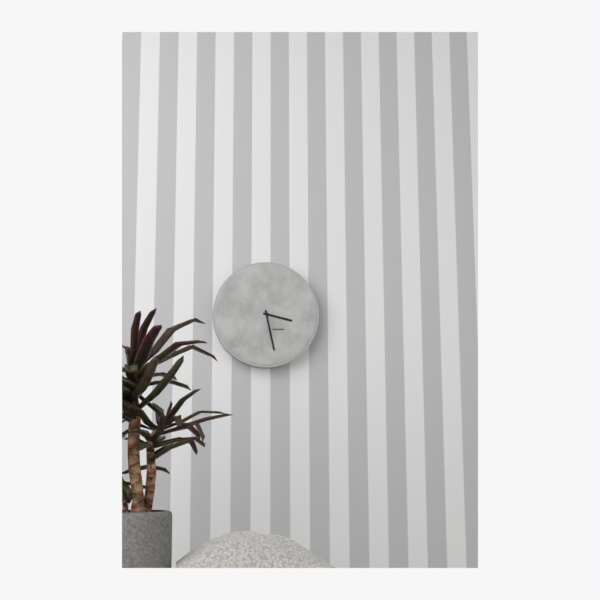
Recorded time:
3h28
